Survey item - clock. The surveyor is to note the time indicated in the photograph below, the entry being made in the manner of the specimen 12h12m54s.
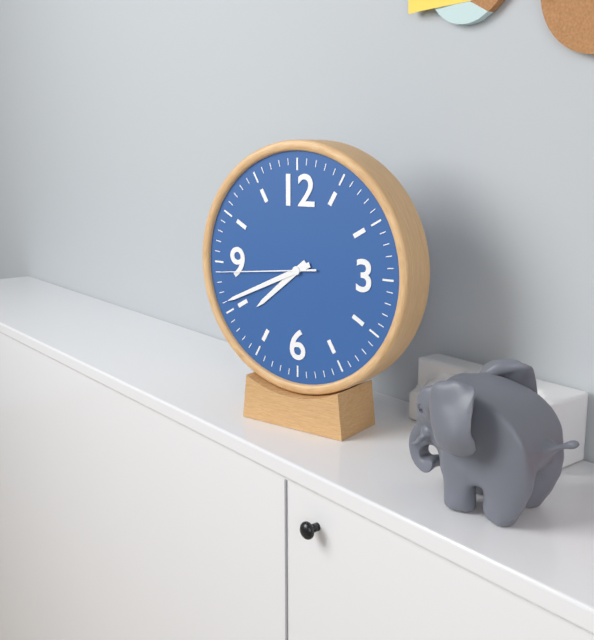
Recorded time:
7h41m44s
